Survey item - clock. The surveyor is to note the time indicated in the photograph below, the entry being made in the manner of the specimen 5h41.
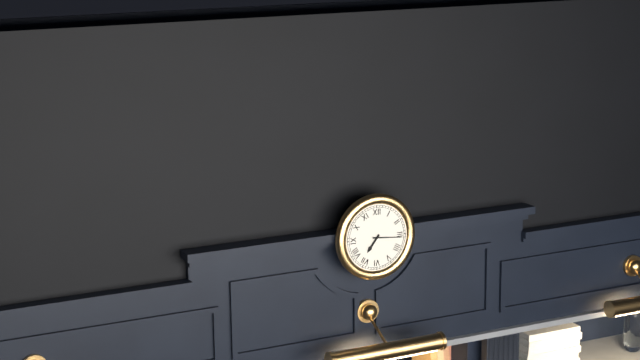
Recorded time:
7h16
